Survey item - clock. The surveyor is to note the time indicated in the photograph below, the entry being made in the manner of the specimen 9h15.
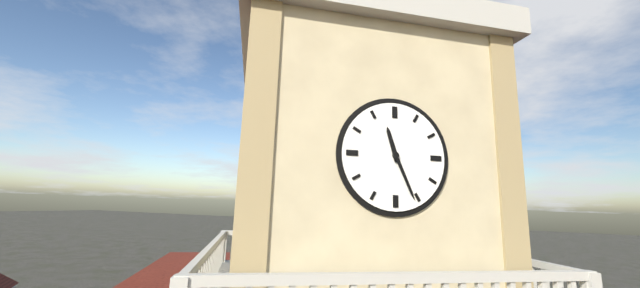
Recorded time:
11h26
